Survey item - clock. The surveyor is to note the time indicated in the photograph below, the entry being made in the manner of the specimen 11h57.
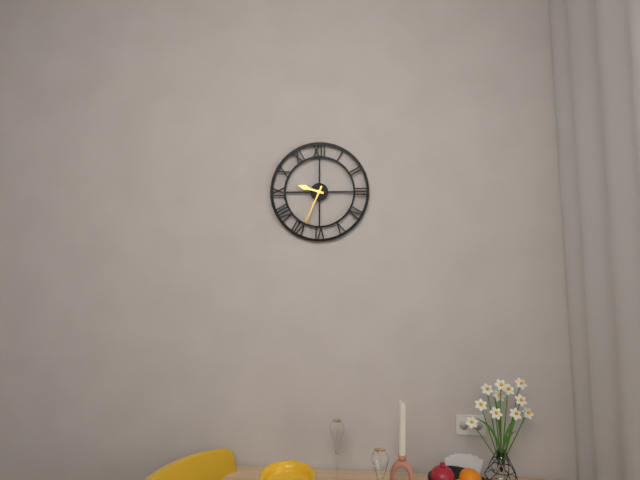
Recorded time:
9h34
